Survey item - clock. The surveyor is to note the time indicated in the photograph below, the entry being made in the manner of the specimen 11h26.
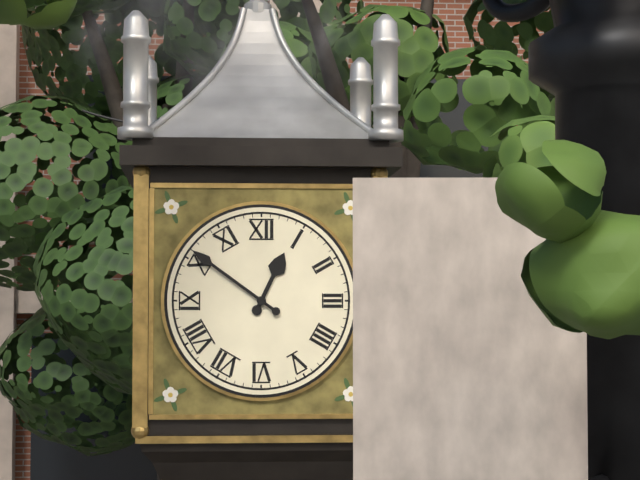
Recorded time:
12h51
